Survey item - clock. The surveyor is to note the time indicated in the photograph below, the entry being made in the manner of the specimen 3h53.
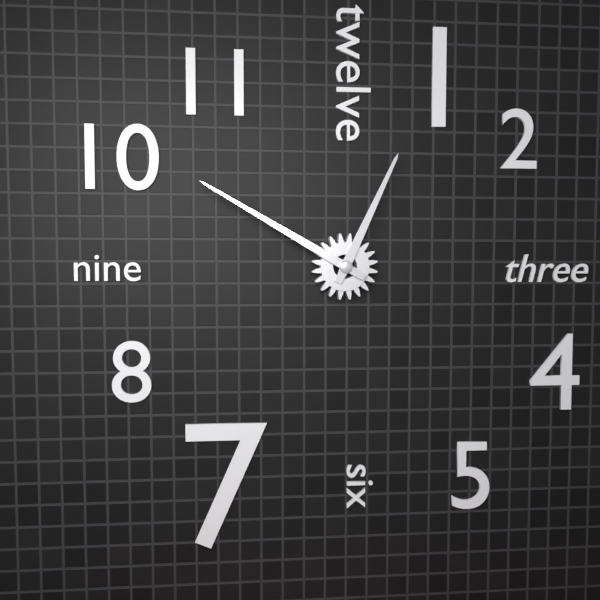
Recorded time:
12h50
